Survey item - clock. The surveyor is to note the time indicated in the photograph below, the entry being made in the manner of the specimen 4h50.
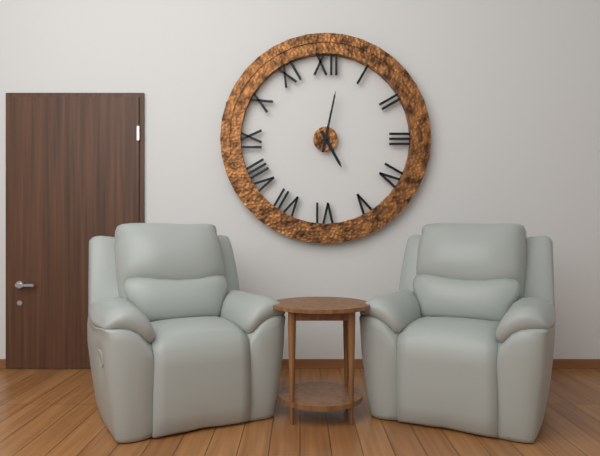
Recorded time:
5h02
